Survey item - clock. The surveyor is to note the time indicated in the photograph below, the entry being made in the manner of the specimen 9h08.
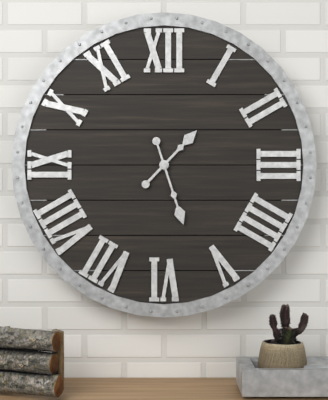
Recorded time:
1h27
